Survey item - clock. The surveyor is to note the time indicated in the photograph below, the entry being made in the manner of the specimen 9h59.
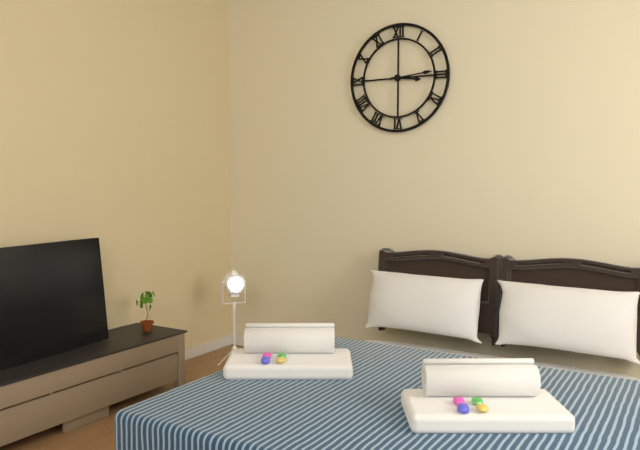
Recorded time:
3h14
